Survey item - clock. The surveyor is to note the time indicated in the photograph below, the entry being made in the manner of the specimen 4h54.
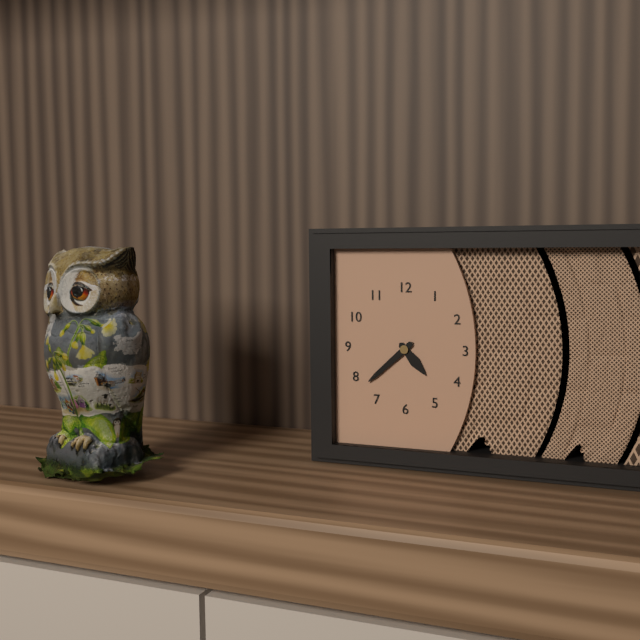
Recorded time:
4h38
